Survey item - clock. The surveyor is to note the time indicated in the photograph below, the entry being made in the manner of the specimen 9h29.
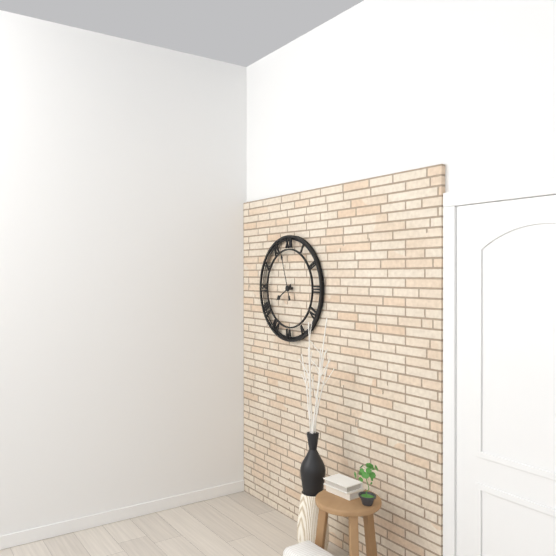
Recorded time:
7h57
